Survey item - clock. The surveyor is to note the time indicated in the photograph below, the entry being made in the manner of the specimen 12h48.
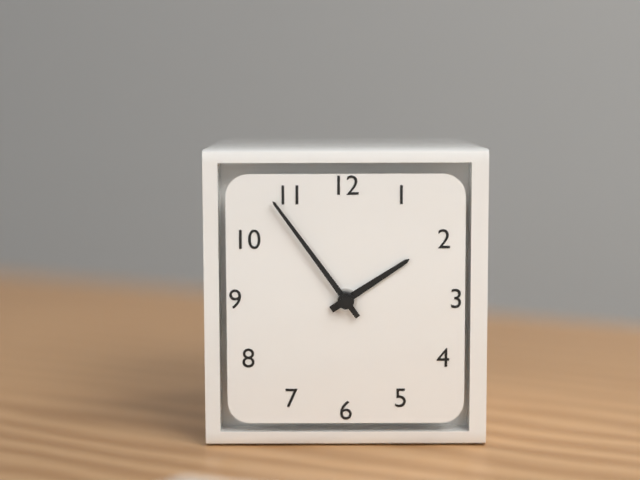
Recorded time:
1h54
